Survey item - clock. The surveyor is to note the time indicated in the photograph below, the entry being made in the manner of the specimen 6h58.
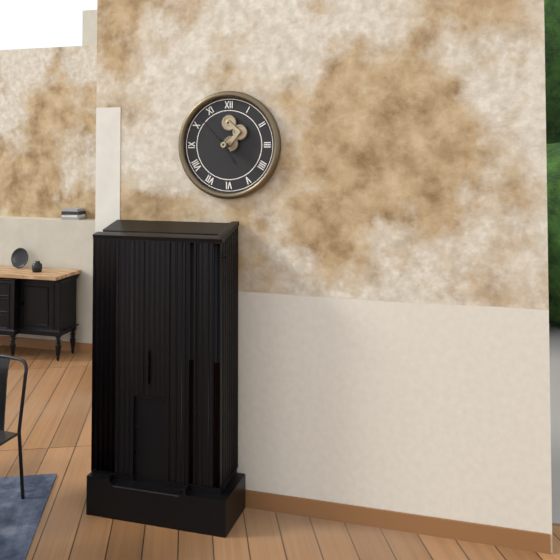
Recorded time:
4h53
